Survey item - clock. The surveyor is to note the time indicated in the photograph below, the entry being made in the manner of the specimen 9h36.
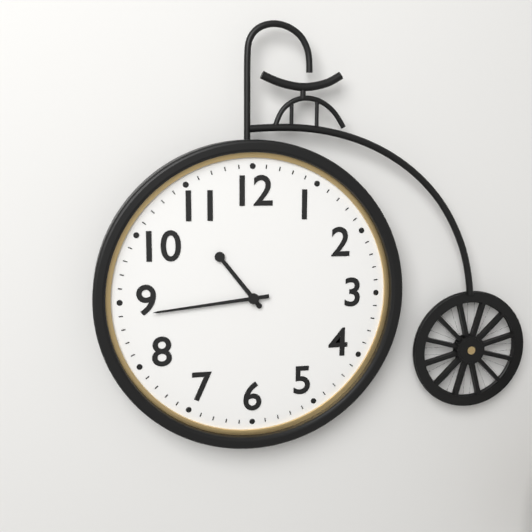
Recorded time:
10h44
